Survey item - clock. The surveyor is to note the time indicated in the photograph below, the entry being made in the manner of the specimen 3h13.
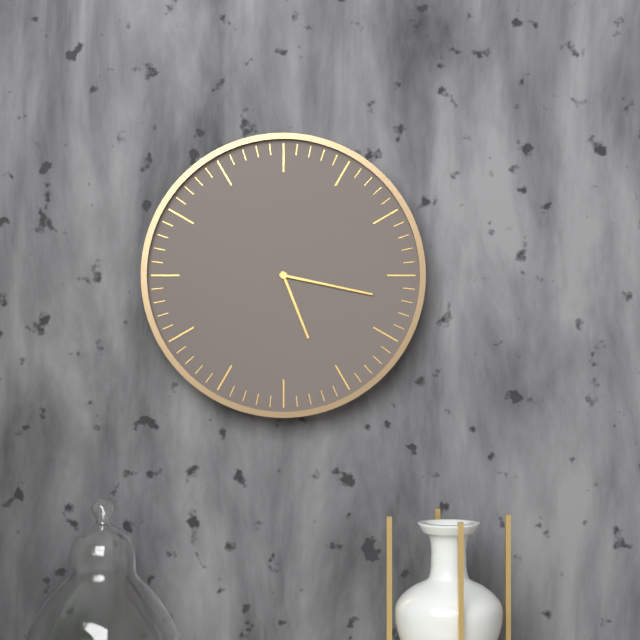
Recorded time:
5h17
